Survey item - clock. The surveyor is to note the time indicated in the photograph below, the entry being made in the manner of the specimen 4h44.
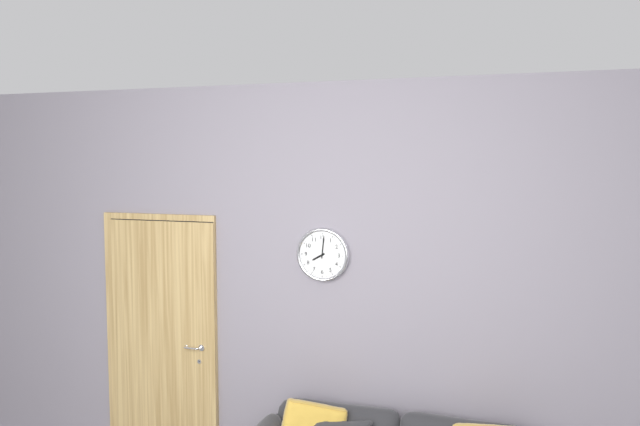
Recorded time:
8h01
